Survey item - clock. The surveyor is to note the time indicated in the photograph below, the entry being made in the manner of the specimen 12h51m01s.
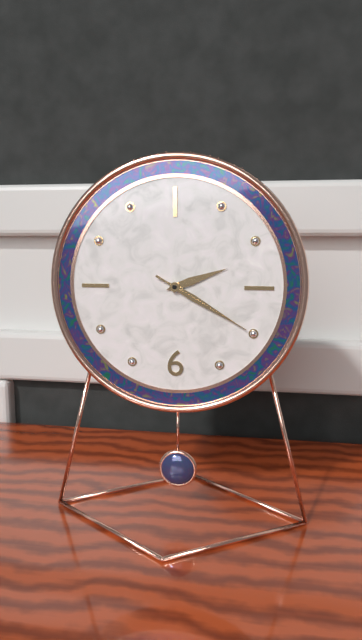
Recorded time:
2h20m20s
